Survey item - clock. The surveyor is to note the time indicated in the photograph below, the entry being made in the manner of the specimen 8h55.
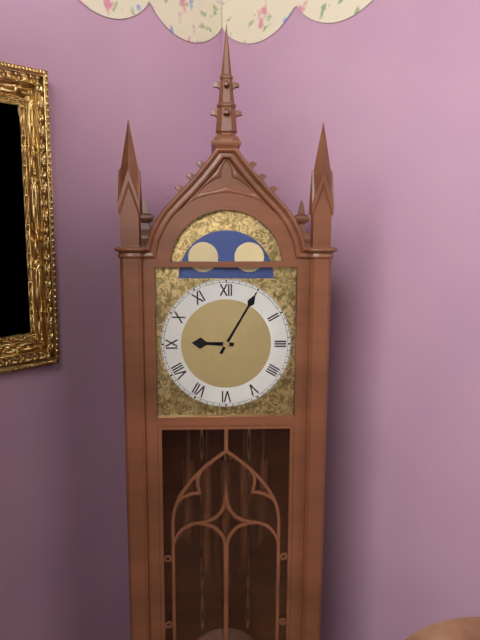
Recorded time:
9h05
